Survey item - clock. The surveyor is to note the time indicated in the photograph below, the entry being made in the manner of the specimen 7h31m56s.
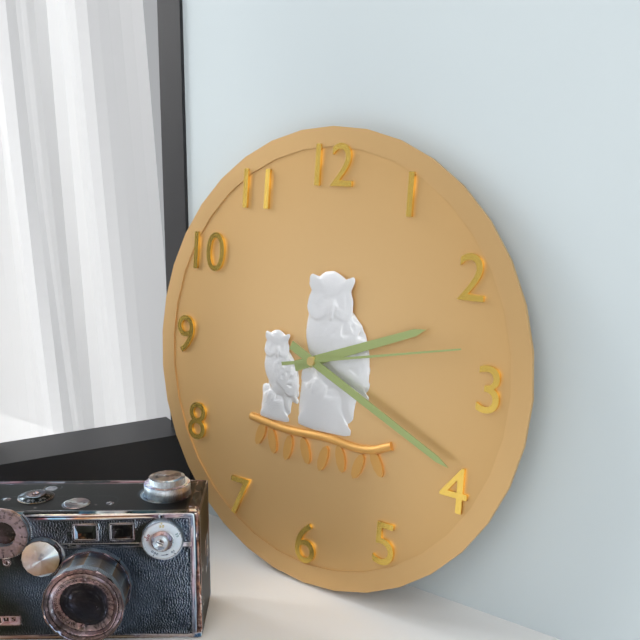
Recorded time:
2h19m13s
